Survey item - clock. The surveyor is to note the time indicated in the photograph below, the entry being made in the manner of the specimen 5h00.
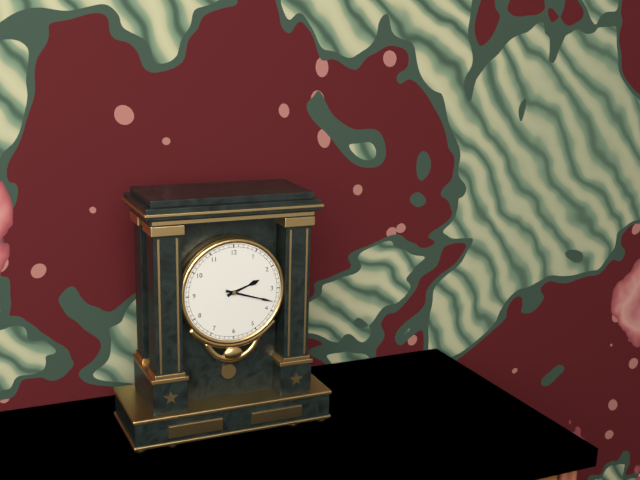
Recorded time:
2h18
